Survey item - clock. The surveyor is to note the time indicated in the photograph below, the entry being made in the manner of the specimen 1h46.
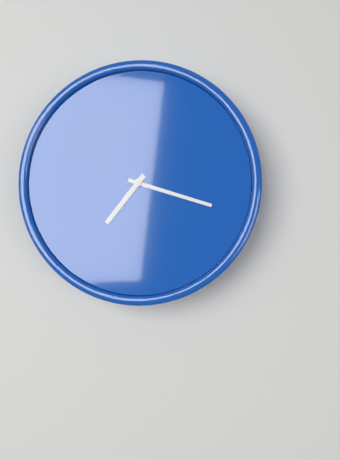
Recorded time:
7h18
